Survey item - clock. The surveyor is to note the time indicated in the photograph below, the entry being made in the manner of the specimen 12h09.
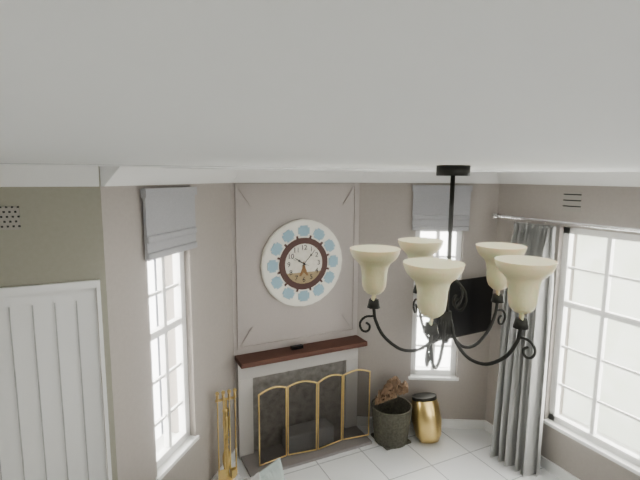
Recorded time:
10h07
